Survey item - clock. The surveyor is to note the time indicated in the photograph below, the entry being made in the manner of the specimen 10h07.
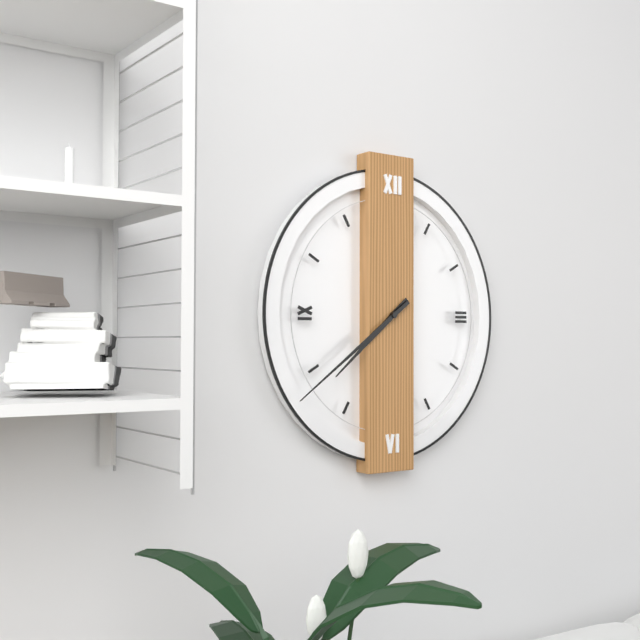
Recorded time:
7h39
